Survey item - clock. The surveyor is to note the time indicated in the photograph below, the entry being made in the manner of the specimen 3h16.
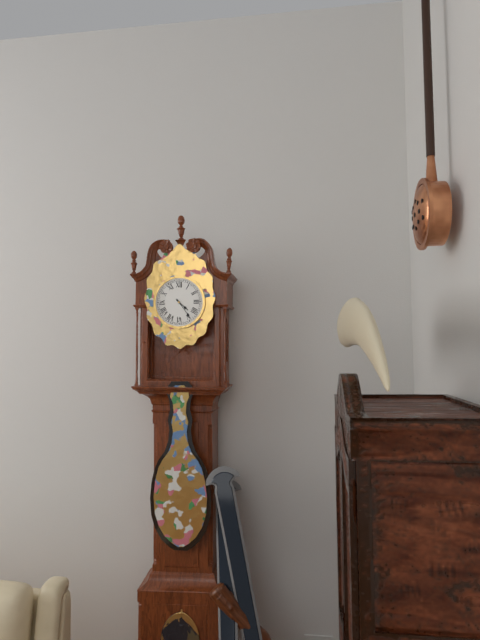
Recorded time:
4h24
